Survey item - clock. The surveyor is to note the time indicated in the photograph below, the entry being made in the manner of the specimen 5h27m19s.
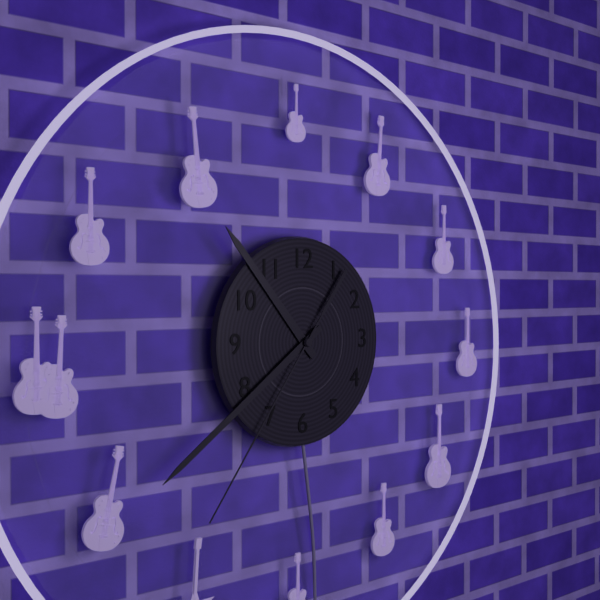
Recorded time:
10h39m36s
